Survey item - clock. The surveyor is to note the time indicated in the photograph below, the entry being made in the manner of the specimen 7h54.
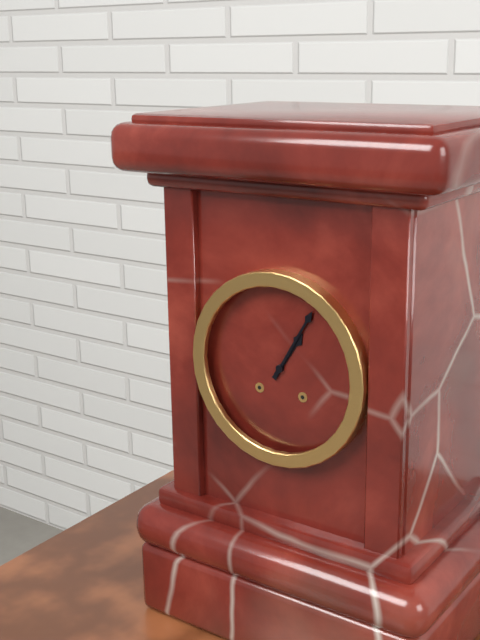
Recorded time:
1h05
